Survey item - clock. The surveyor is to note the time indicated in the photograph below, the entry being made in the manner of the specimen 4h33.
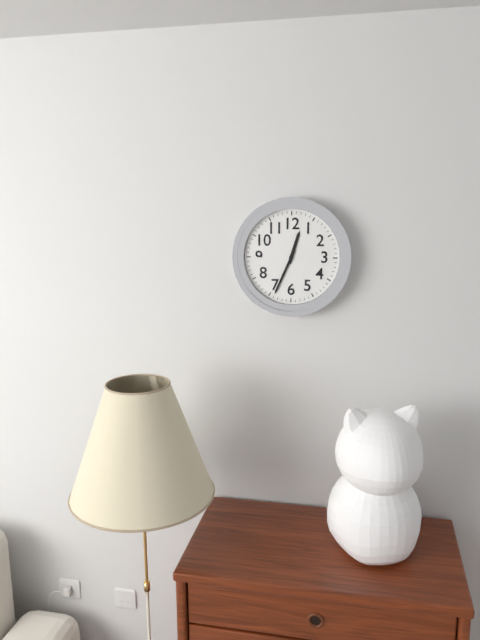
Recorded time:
12h34
